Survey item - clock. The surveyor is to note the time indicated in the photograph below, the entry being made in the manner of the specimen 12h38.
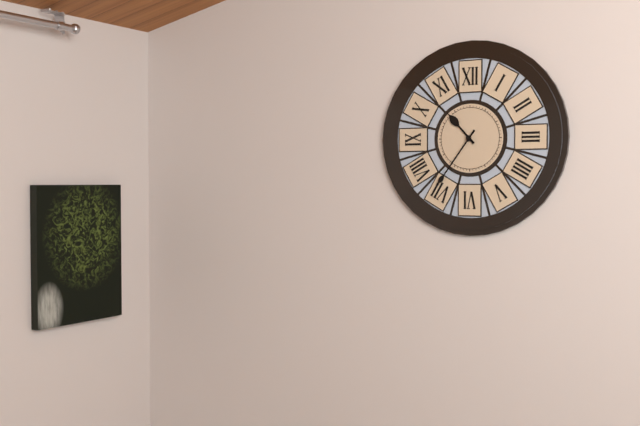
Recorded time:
10h36
